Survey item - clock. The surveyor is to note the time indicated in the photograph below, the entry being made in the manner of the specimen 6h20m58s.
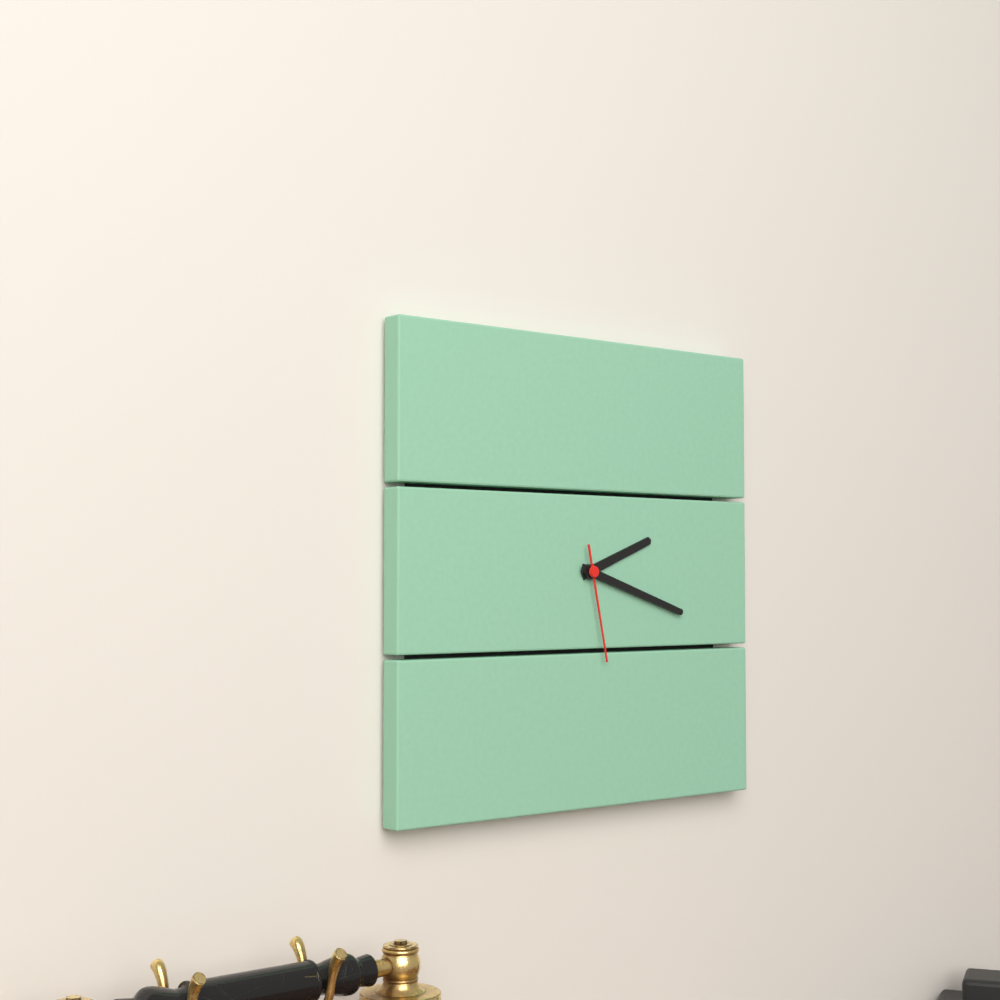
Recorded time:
2h18m28s
